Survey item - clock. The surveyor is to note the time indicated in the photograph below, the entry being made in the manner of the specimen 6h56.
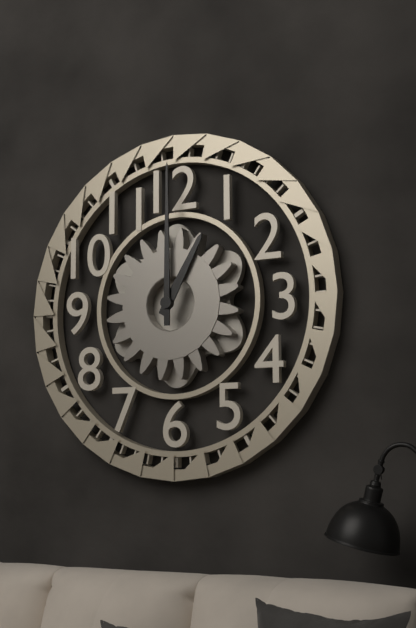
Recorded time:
1h00
